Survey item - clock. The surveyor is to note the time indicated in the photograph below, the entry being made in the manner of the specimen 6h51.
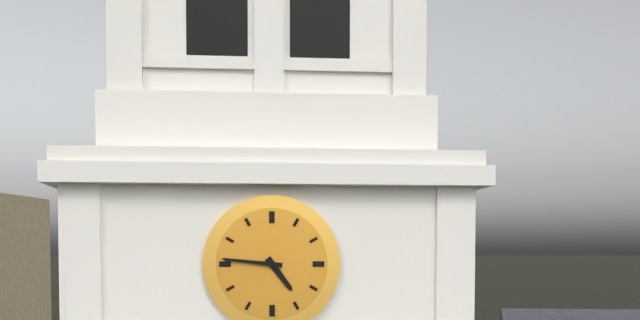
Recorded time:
4h46
